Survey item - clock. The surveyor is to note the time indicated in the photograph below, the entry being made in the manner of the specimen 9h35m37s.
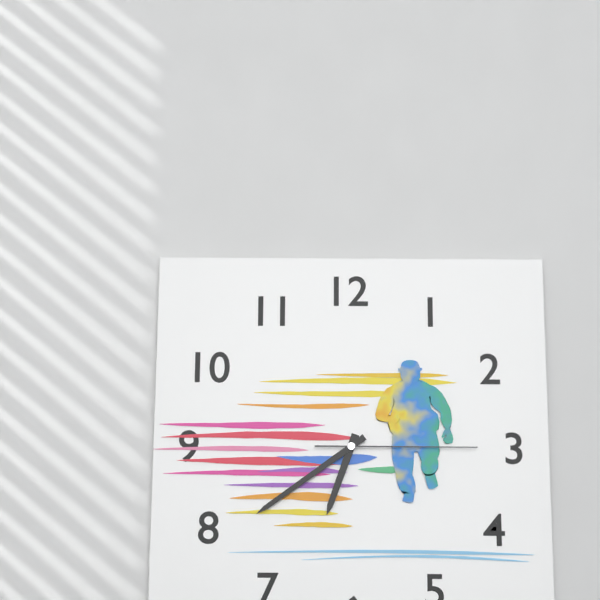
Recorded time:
6h39m15s
